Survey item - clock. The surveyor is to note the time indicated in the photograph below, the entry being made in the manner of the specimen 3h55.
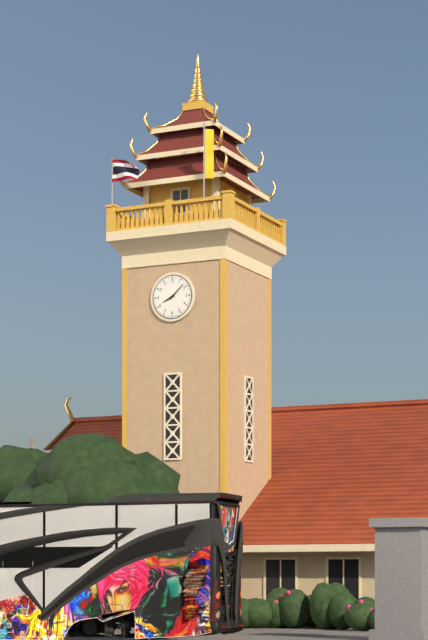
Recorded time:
8h08
